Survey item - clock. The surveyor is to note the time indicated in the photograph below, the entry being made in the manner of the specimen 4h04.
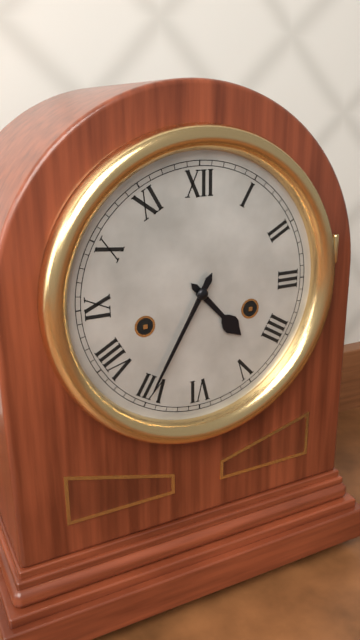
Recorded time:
4h35
